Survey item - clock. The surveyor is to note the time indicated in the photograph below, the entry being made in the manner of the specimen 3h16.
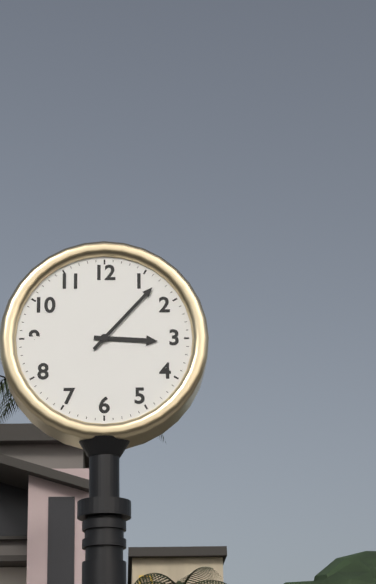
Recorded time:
3h07
